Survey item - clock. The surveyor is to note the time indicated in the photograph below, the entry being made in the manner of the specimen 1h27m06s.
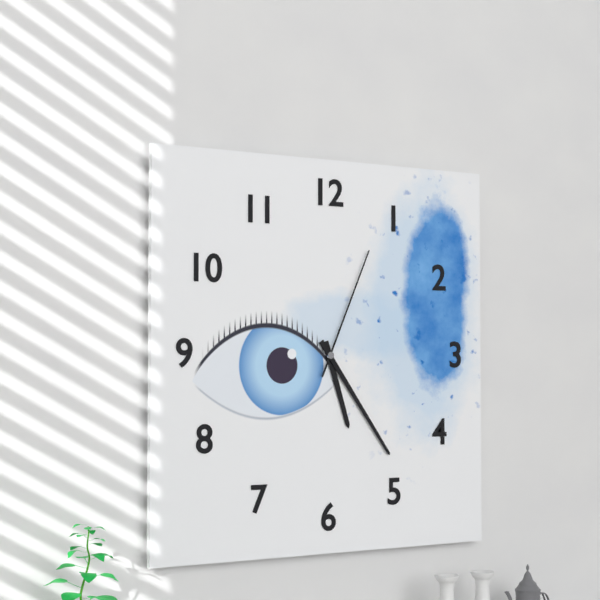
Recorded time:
5h24m04s
